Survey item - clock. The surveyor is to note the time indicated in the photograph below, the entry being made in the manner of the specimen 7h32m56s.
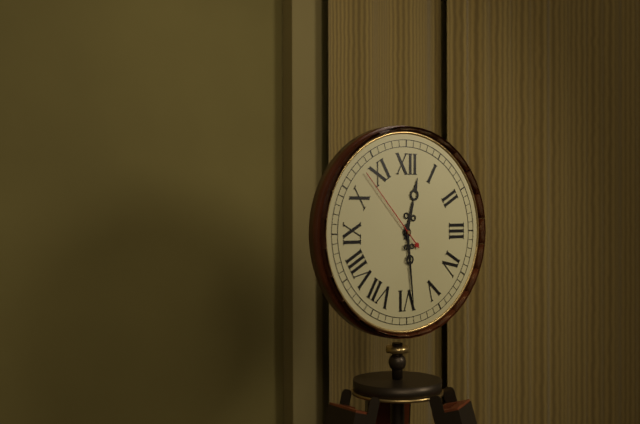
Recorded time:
12h29m53s
